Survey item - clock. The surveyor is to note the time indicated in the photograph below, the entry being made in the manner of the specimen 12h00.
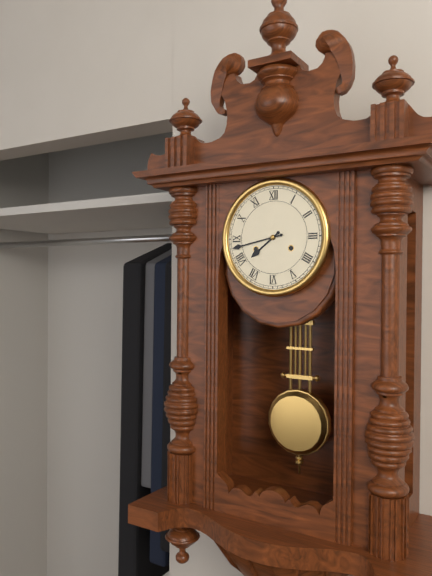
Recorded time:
7h43
